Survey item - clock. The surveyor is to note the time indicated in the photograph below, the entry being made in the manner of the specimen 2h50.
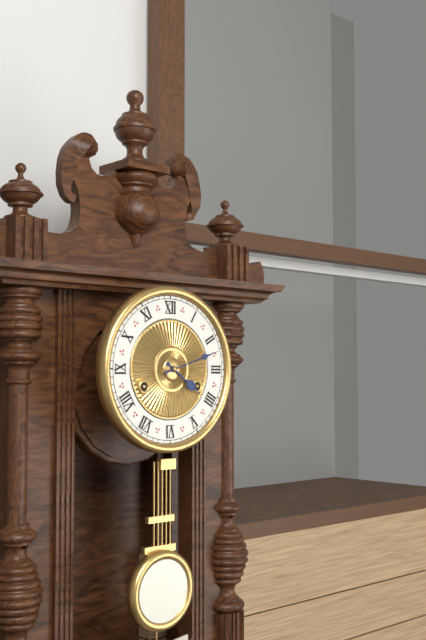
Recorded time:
4h12
